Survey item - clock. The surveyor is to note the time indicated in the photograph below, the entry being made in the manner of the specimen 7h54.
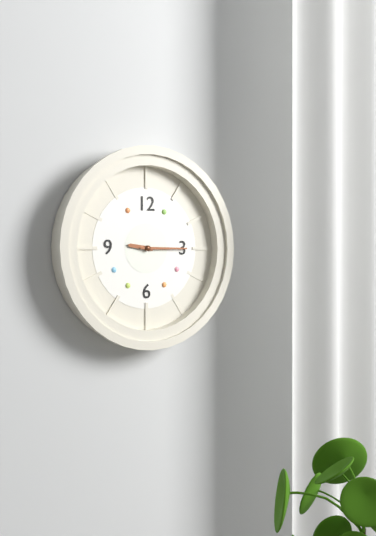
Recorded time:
9h15
